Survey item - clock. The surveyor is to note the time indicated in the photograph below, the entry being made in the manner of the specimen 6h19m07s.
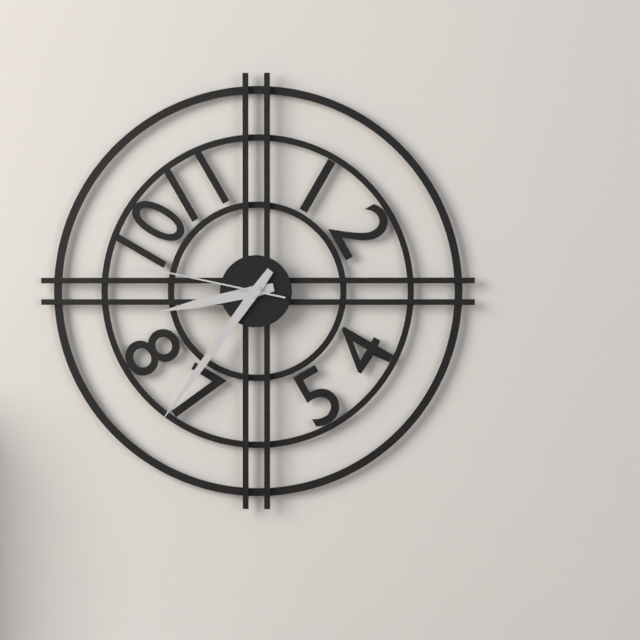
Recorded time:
8h36m47s
